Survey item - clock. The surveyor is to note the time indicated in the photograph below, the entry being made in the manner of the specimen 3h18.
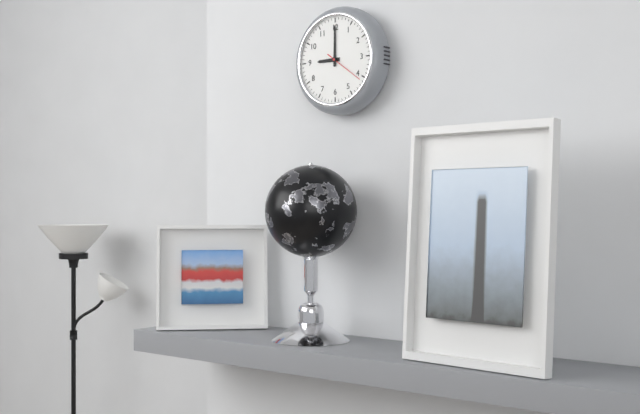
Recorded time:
9h00
